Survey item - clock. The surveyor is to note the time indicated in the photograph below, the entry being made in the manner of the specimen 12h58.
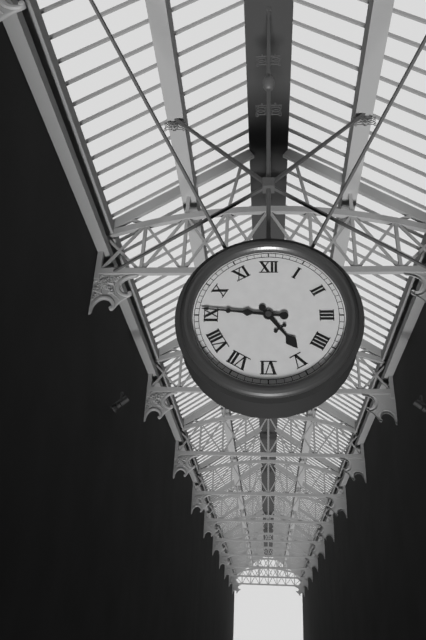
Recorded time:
4h46
